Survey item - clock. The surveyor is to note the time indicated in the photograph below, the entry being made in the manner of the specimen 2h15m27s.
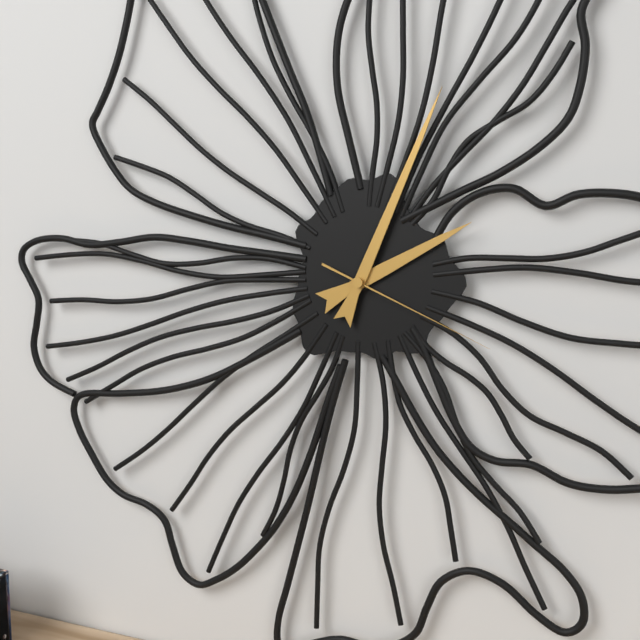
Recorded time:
2h04m19s
